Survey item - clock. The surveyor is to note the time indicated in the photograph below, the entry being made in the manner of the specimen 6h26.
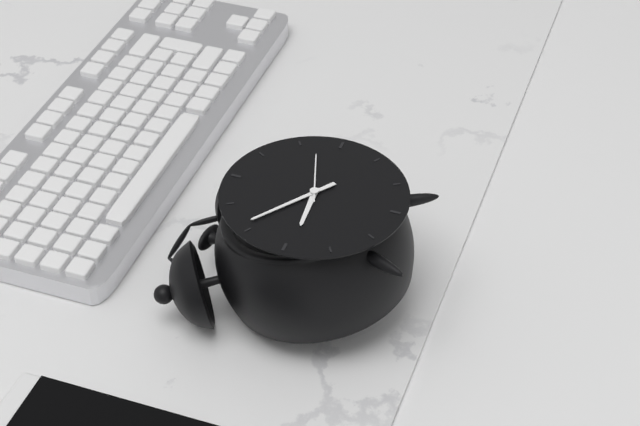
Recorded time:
8h51
